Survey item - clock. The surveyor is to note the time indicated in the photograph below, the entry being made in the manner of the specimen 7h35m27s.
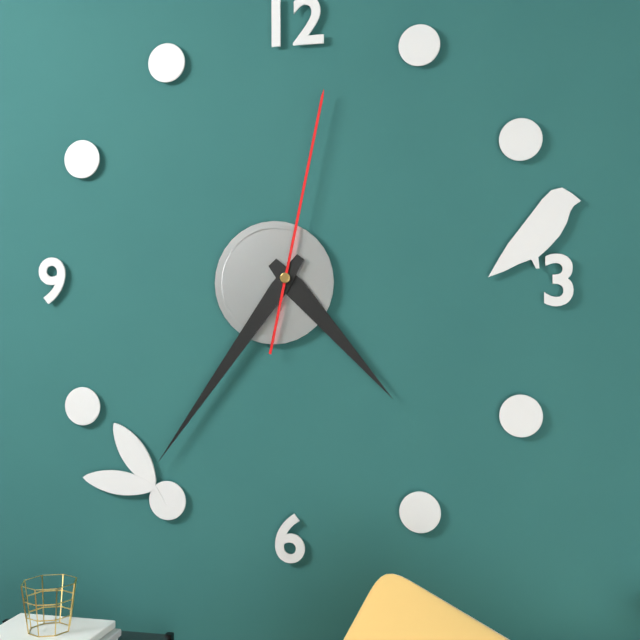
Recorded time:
4h36m02s
